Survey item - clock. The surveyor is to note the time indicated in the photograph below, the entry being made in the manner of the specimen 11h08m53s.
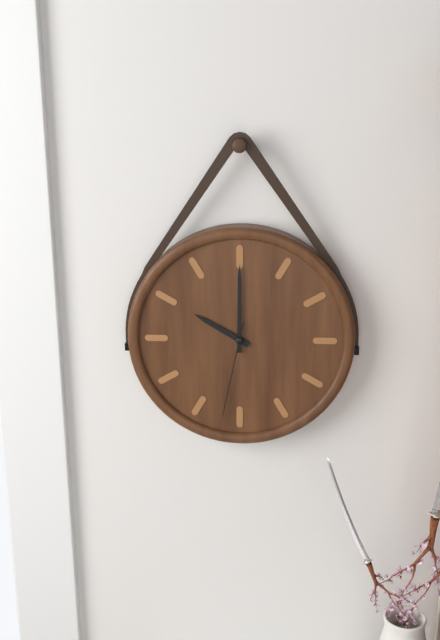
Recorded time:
10h00m32s
